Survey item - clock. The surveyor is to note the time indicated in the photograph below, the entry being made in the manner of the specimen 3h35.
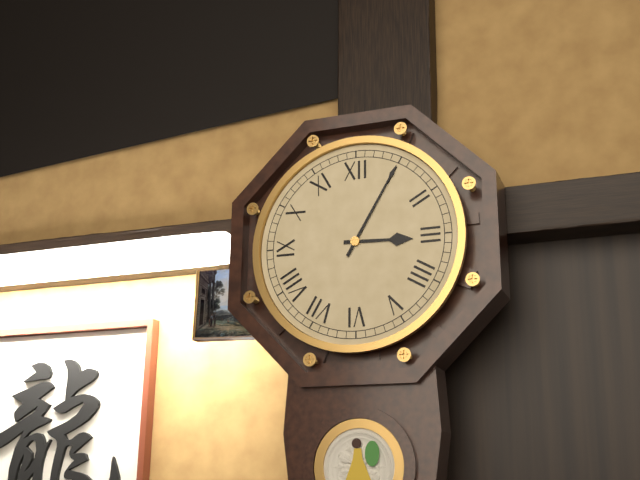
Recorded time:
3h05
